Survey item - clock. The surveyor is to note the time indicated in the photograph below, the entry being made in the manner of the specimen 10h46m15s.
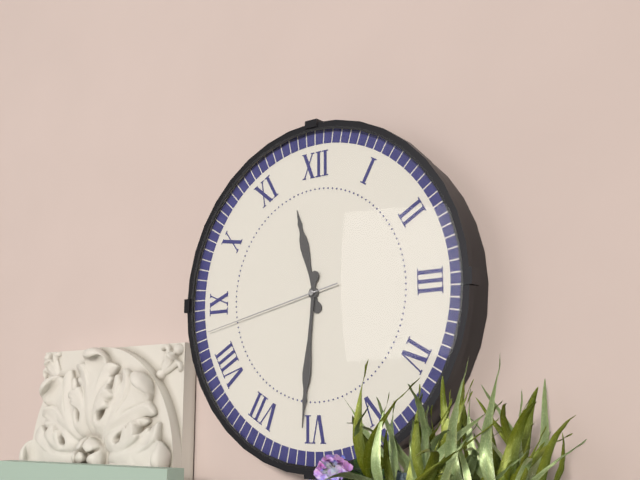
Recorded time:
11h31m43s
